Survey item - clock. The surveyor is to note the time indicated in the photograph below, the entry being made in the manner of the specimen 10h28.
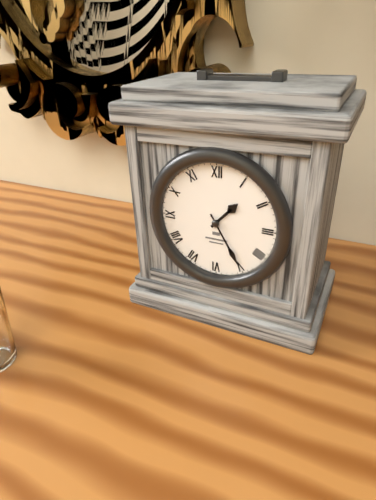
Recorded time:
1h25
